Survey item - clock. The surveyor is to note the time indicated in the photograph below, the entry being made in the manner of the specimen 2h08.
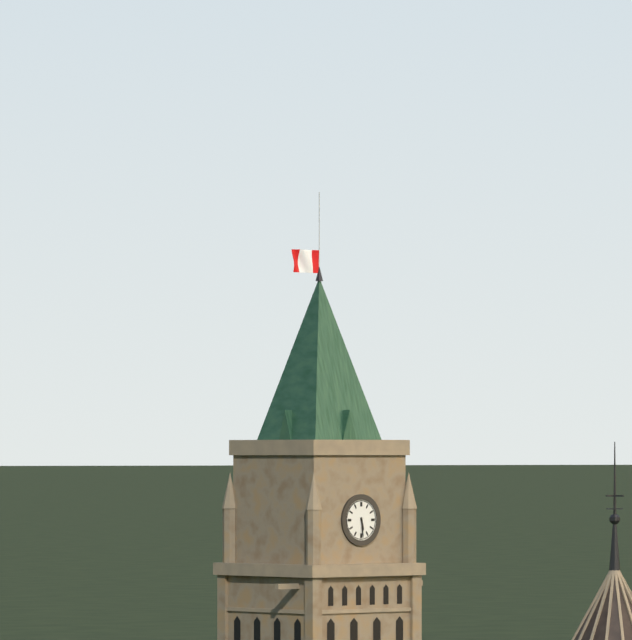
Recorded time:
5h29
